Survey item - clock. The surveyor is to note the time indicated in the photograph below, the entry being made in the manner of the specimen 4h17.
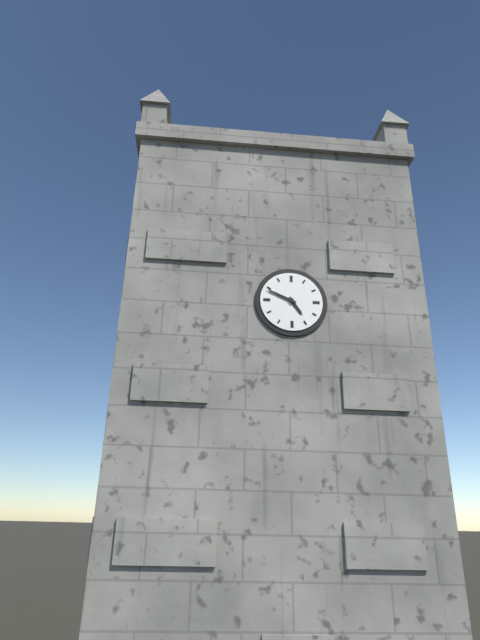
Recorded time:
4h49
